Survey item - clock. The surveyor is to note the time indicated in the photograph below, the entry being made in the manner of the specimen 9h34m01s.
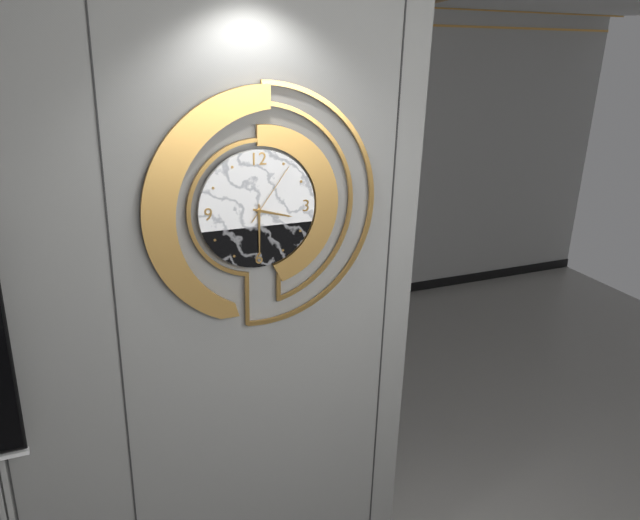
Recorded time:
3h30m06s
